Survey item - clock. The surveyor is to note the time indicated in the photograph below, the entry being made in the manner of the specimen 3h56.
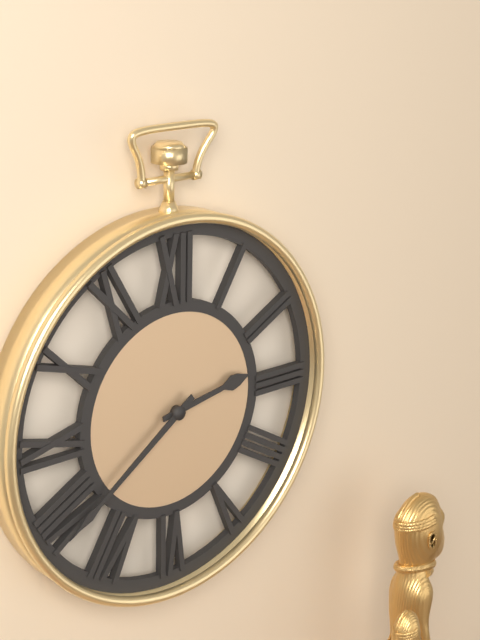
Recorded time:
2h39
